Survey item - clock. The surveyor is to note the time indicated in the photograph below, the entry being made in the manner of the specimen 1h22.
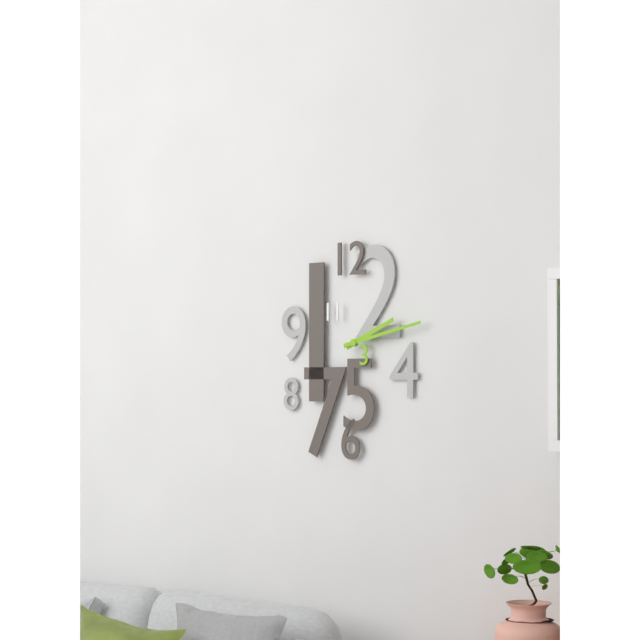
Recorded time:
2h13
